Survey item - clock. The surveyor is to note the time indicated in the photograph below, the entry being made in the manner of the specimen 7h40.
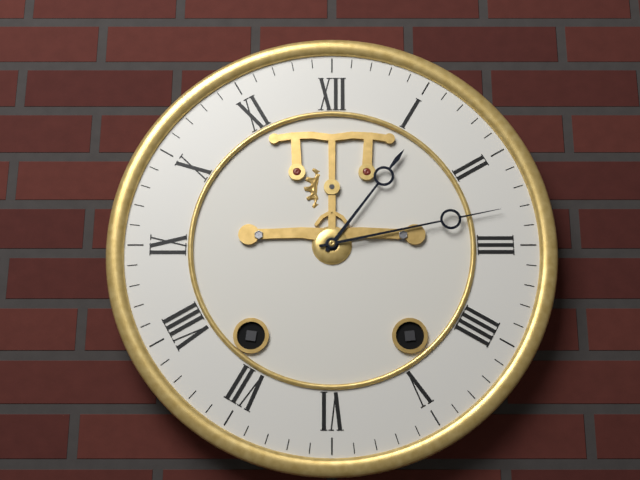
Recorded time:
1h13
